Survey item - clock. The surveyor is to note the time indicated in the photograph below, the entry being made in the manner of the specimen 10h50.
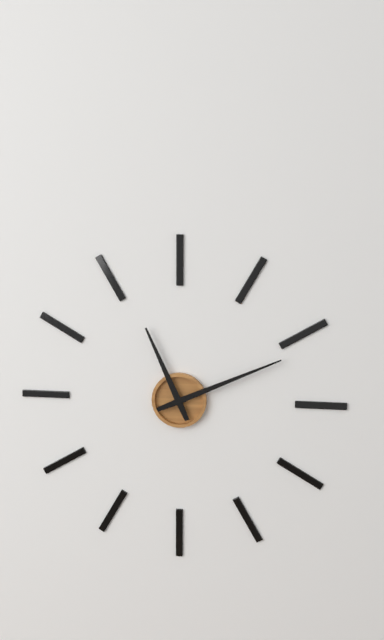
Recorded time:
11h11
